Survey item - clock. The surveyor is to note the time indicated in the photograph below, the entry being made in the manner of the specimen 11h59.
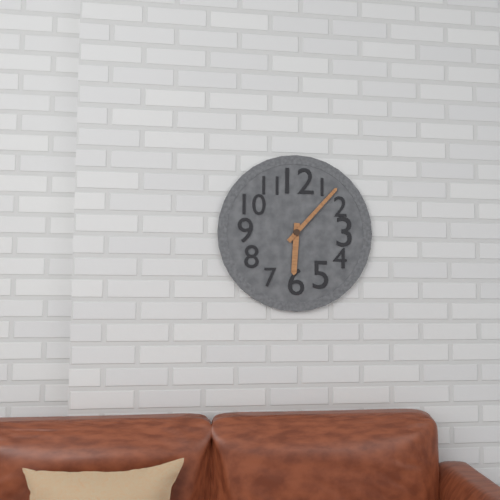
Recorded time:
6h07
